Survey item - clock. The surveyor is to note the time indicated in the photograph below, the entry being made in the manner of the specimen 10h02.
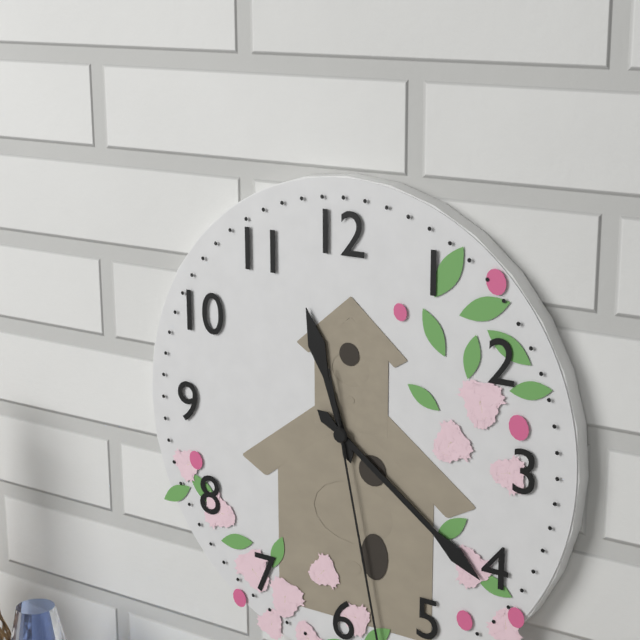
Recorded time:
11h21
